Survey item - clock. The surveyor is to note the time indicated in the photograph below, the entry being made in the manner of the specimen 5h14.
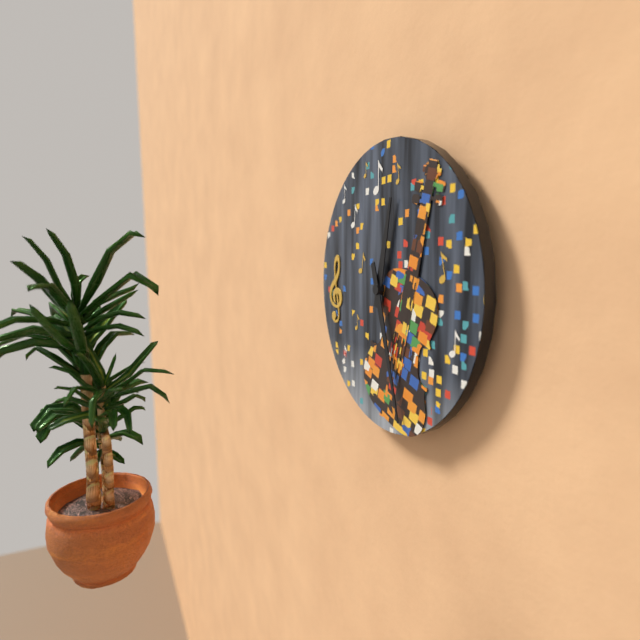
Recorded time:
12h27
